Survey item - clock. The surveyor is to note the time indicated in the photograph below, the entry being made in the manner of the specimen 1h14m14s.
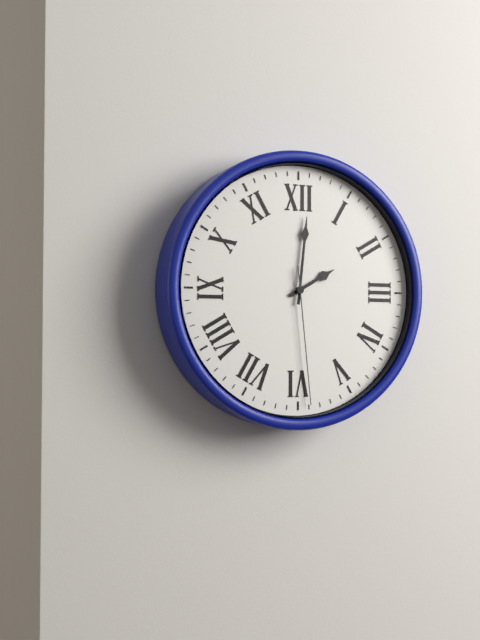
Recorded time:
2h01m29s
